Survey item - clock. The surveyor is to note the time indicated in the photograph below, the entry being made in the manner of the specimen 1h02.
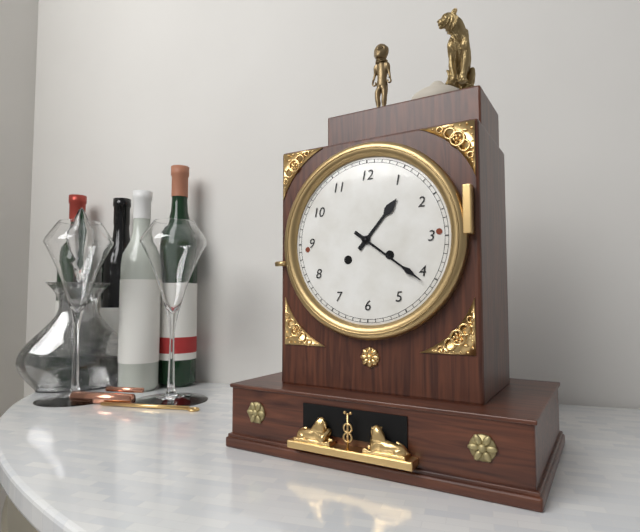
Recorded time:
1h21
